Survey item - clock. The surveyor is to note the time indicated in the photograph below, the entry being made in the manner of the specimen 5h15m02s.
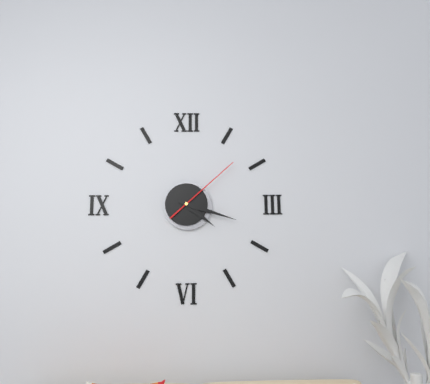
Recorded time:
4h18m08s
